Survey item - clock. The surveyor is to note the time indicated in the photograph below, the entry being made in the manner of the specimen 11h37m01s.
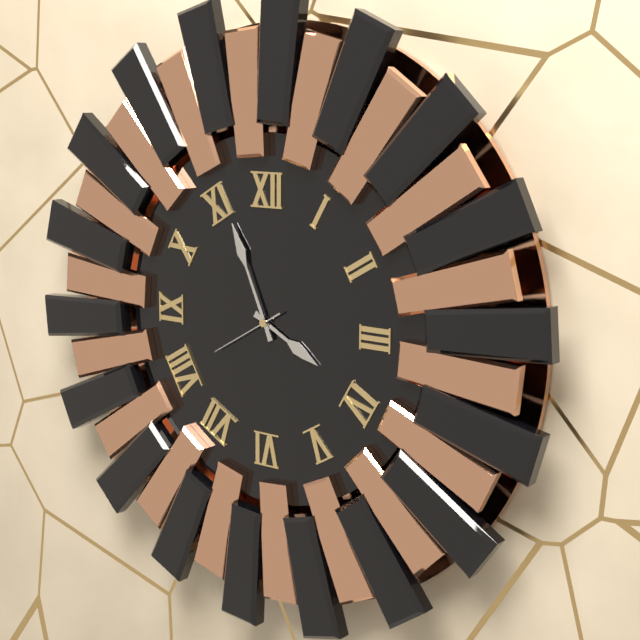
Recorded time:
3h56m40s
